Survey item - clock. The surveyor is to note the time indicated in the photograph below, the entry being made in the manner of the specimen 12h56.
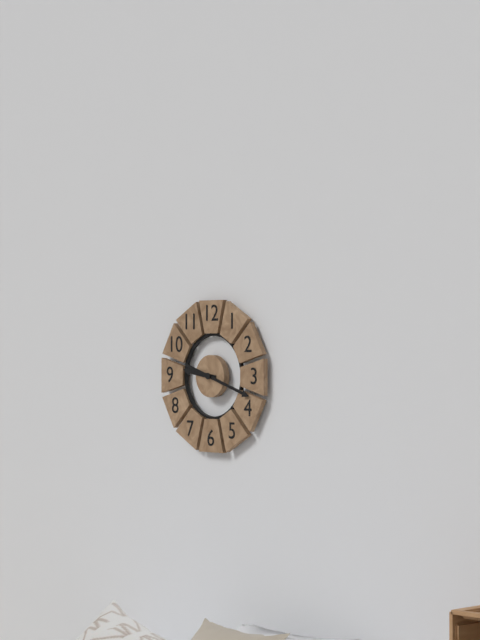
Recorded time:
9h18
